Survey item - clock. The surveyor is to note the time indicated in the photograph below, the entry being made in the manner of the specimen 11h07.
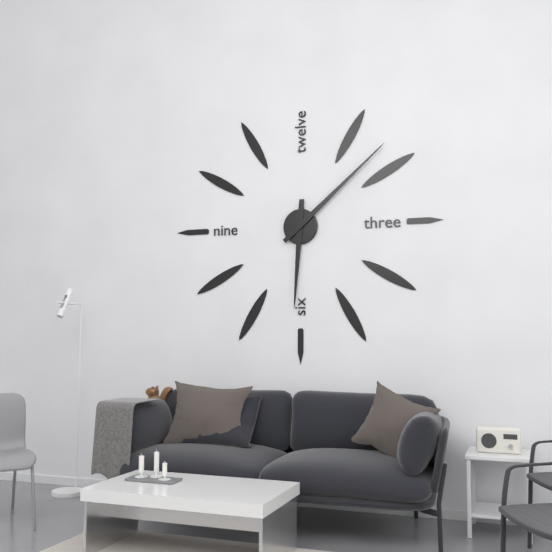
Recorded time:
6h08
